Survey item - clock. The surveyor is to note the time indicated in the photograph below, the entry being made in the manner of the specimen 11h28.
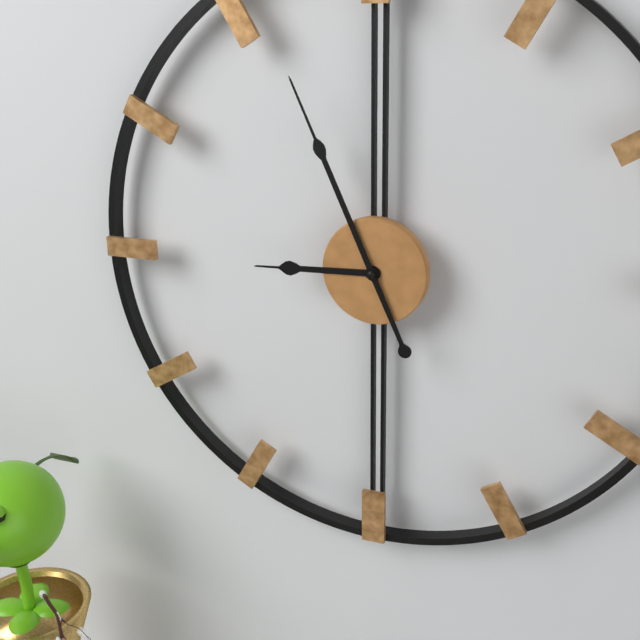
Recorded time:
8h56
